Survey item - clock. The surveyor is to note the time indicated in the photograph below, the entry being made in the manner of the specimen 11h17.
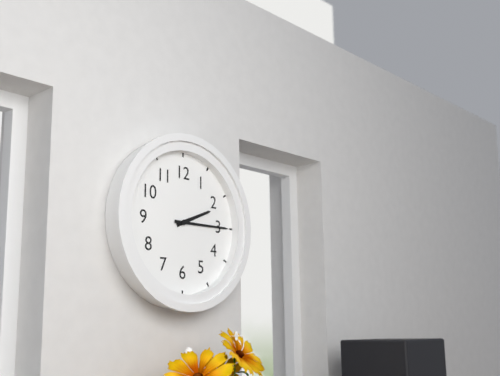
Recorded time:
2h15
